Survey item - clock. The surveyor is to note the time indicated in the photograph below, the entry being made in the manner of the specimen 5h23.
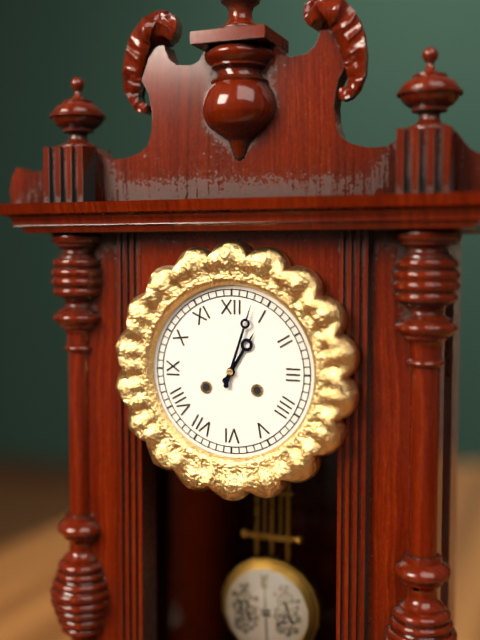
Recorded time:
1h03
